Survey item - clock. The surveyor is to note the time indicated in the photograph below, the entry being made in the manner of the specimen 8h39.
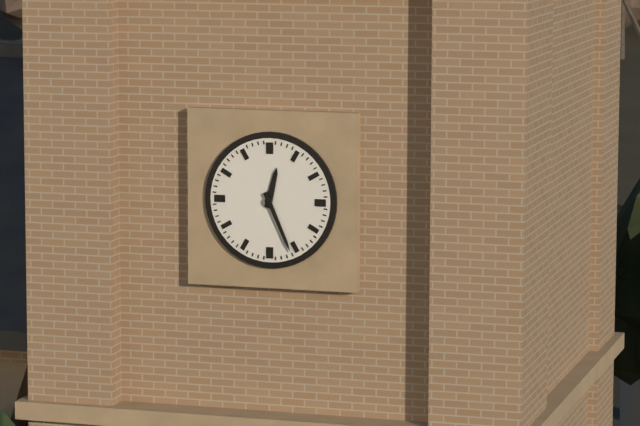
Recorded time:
12h26
